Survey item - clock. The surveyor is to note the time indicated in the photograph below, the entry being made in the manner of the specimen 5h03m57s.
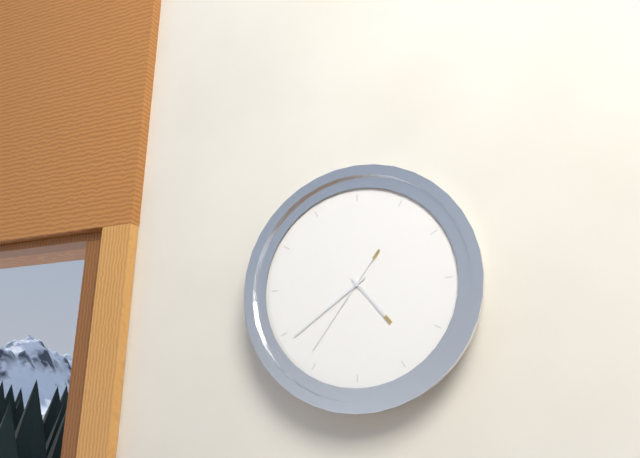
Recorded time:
4h39m36s
